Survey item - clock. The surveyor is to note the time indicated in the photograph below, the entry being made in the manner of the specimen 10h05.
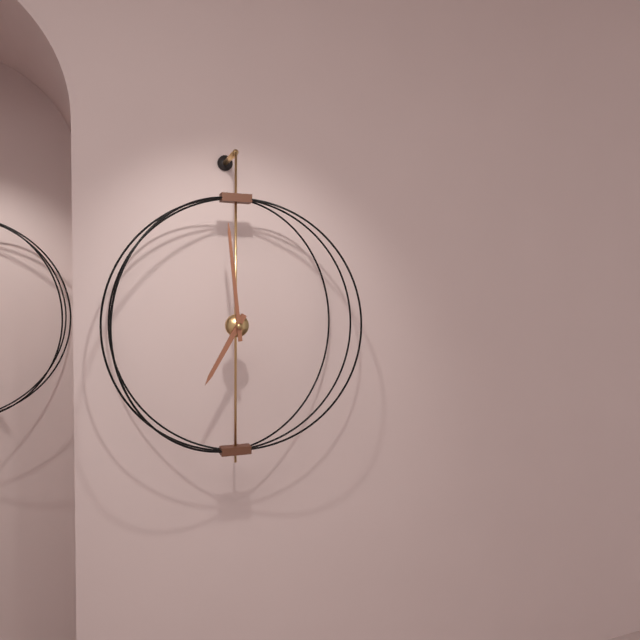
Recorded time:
6h59
